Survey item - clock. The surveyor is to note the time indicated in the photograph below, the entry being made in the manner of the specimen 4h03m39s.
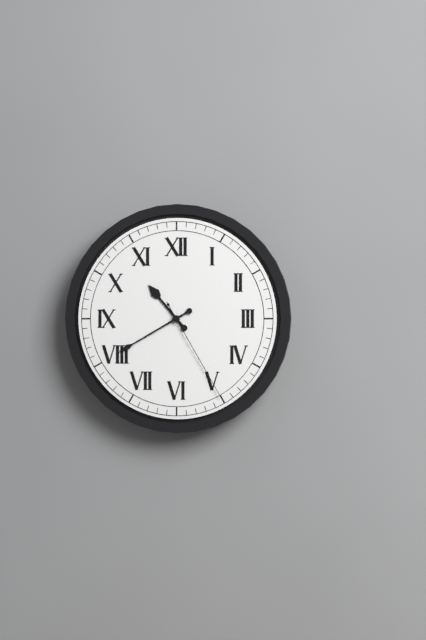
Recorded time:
10h40m25s
